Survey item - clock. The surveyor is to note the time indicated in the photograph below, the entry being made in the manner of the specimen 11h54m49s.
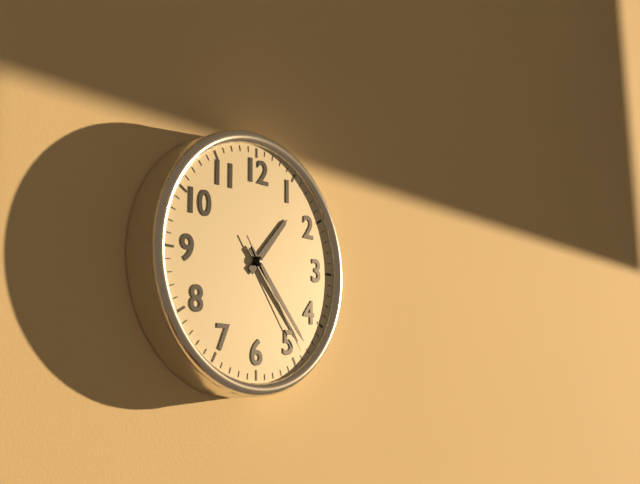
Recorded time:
1h23m24s
